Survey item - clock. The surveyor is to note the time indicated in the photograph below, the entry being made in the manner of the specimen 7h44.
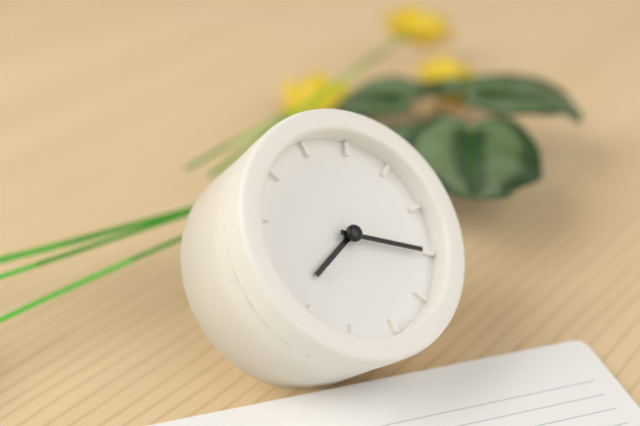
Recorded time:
8h20
